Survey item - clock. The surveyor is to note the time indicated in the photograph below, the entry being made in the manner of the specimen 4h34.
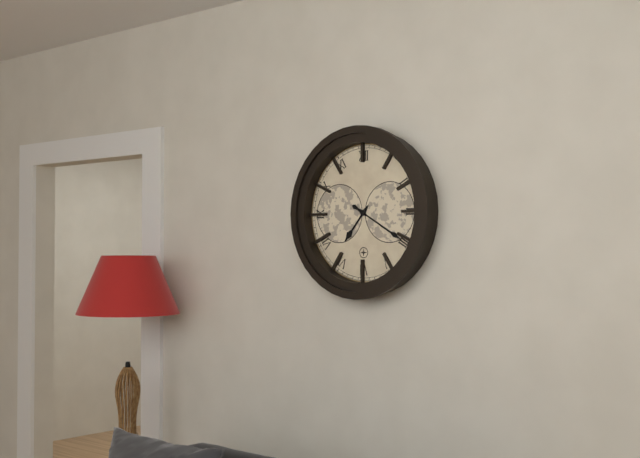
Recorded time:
7h20
